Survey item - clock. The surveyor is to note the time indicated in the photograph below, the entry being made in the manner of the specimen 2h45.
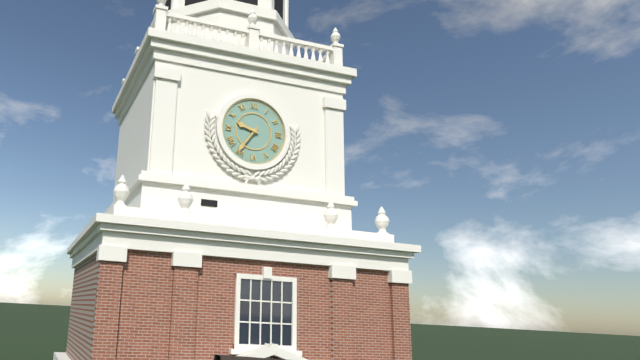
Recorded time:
9h36
